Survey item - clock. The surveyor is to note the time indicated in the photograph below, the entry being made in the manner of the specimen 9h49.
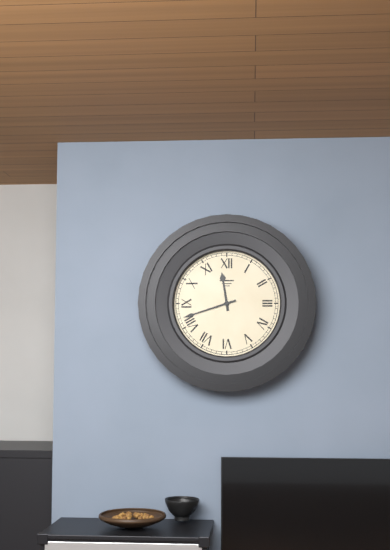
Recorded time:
11h42
